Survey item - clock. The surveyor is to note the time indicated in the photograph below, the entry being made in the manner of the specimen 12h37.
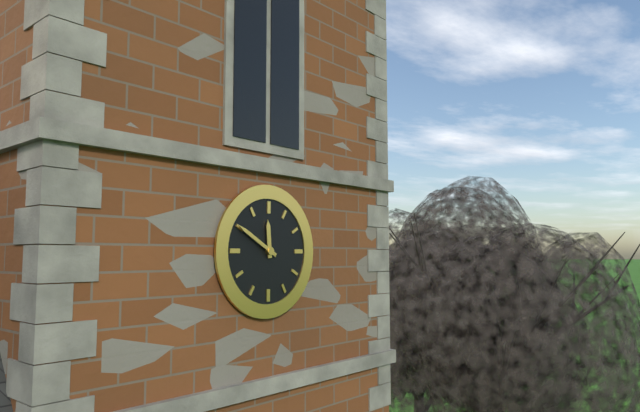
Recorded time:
11h50
